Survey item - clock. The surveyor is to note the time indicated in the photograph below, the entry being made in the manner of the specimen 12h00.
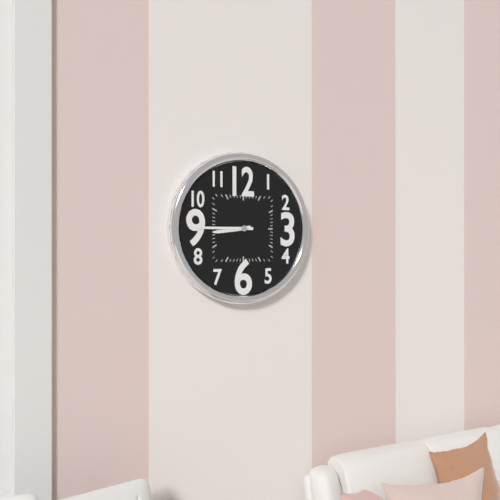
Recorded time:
8h45
